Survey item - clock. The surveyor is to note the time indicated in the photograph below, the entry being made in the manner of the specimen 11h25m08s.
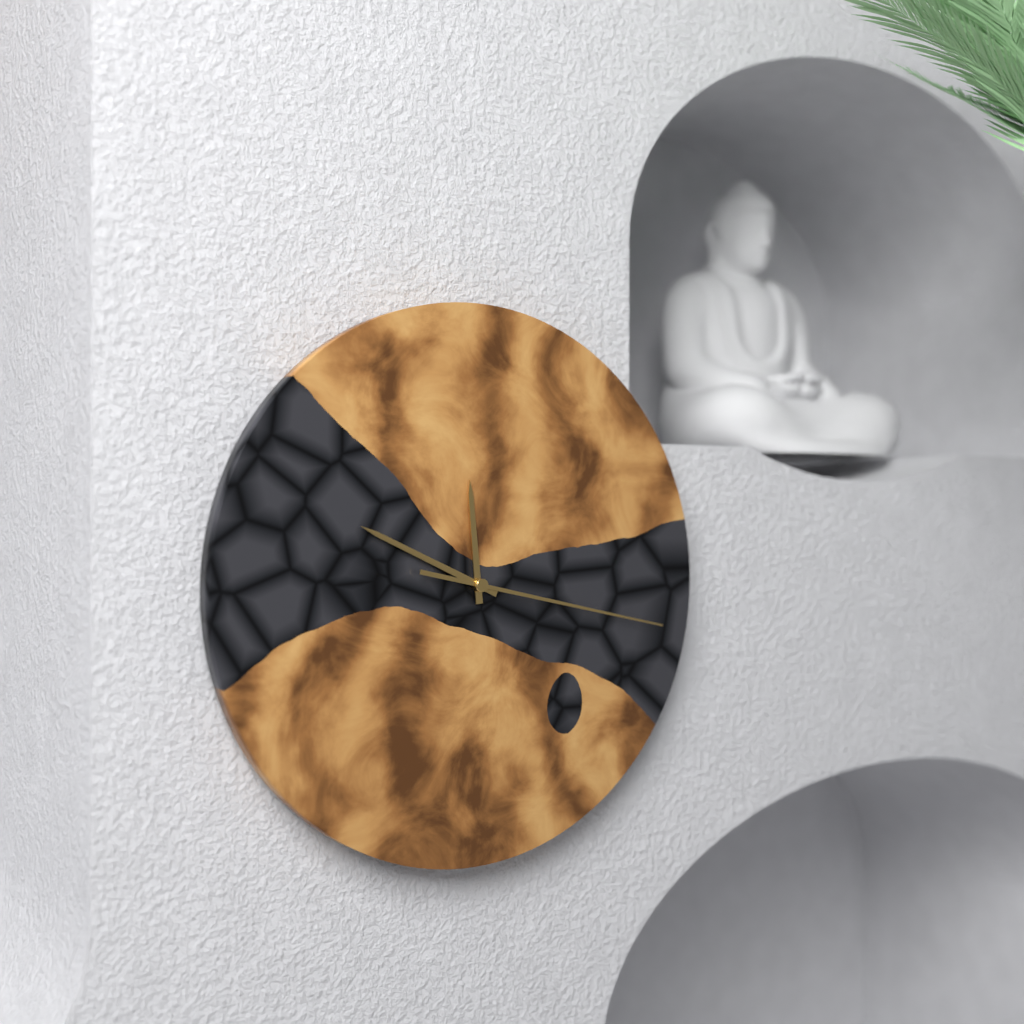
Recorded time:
11h49m17s
